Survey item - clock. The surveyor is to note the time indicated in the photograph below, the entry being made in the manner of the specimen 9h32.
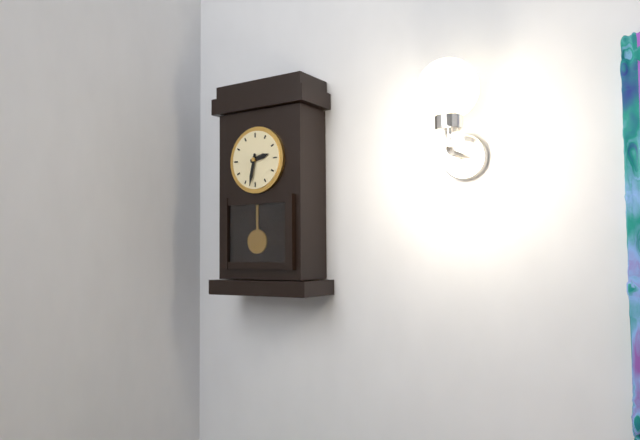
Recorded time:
2h32
